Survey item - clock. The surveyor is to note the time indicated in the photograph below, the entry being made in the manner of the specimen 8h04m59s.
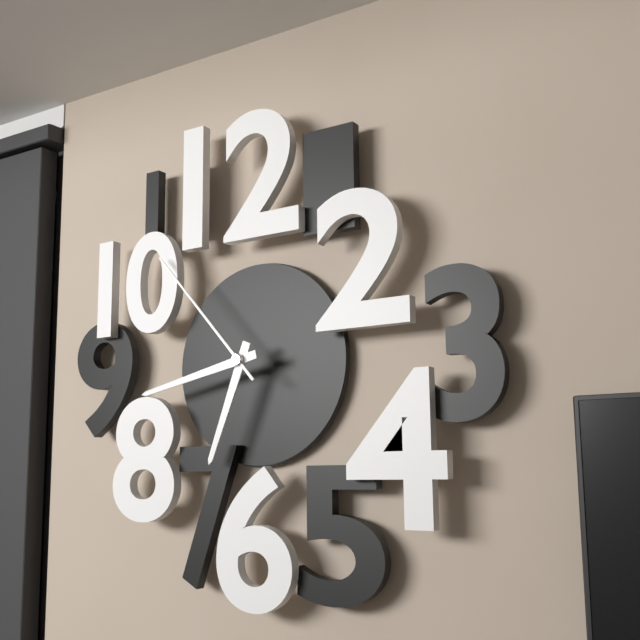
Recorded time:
6h43m53s
